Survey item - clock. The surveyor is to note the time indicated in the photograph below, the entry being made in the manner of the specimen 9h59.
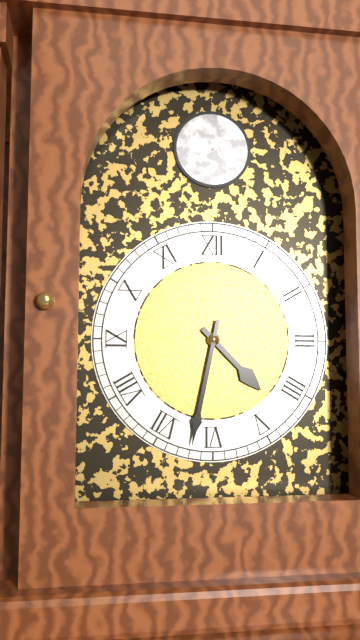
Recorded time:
4h32
